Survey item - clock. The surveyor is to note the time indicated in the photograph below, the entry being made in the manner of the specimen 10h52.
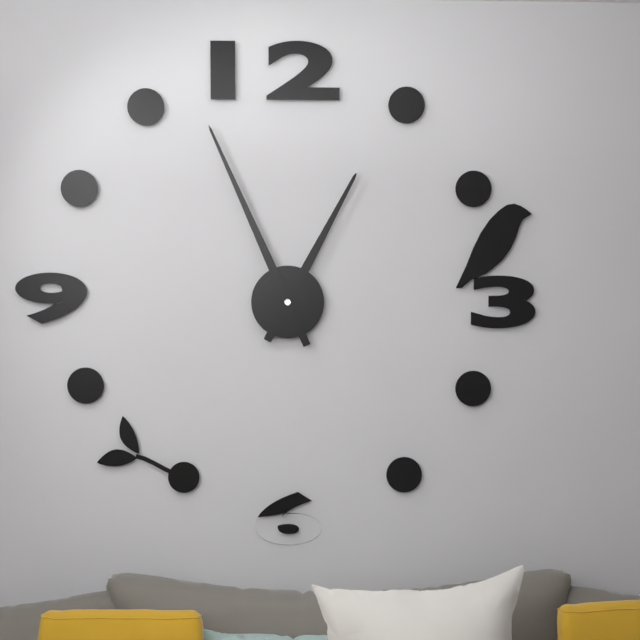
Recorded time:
12h56
